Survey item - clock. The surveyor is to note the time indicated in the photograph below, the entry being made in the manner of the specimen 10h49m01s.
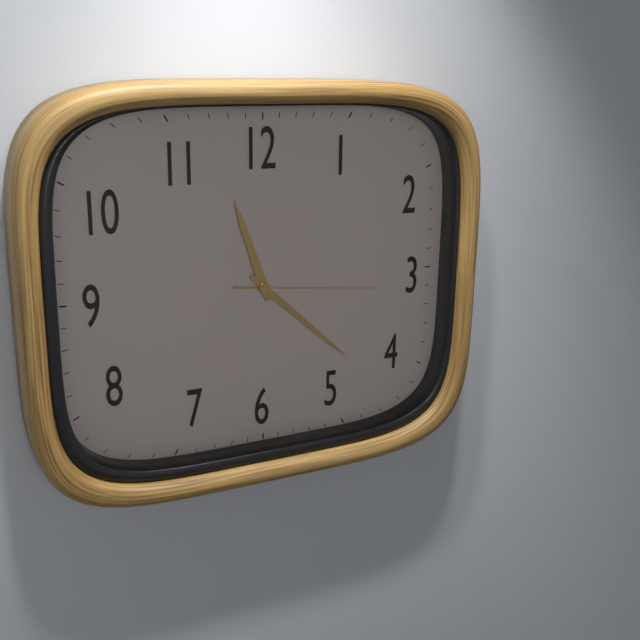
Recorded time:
11h22m16s
